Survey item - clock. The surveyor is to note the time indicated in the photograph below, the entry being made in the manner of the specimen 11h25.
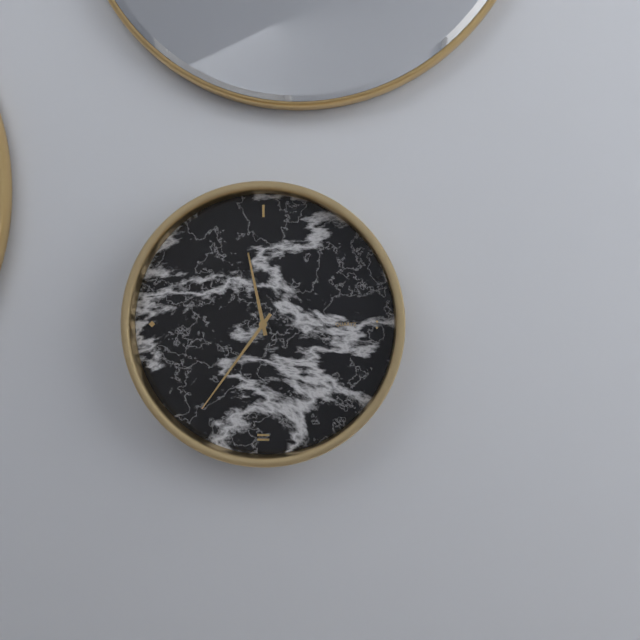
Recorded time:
11h36
